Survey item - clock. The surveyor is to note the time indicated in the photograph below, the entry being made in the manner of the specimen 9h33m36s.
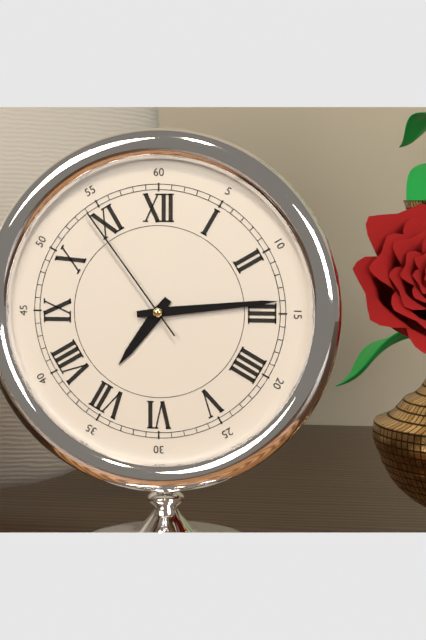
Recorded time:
7h14m54s
